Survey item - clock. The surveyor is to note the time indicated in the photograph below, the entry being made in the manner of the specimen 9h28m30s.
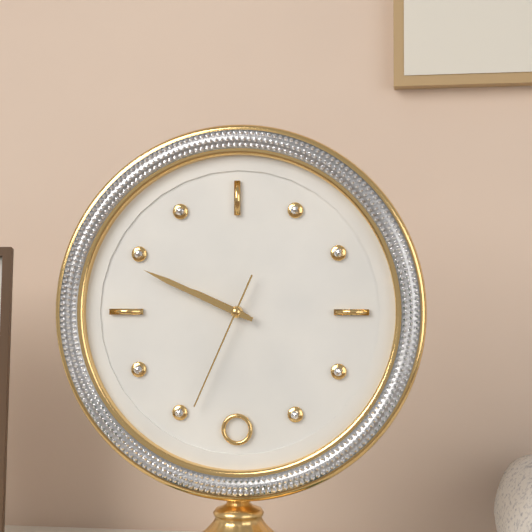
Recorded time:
9h49m34s
